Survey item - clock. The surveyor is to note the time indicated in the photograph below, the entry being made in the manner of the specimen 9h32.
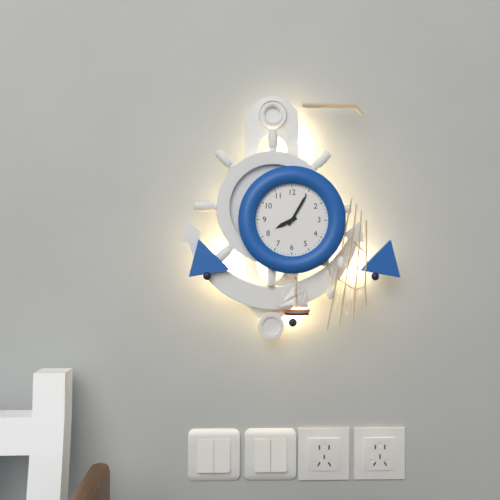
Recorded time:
8h05
